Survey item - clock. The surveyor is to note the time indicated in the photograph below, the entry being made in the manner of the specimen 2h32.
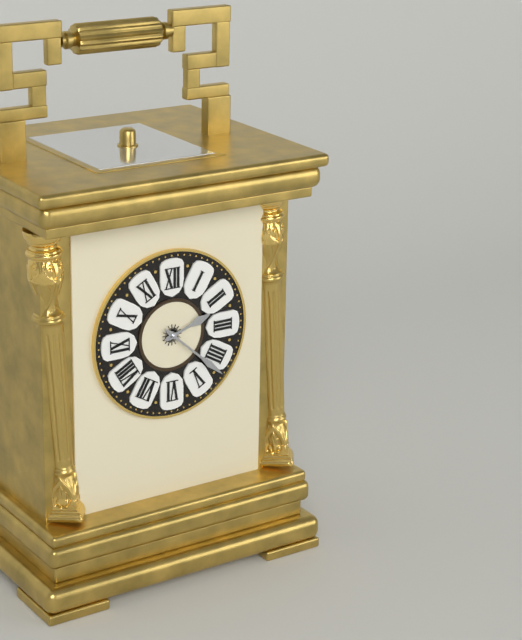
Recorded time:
2h22
